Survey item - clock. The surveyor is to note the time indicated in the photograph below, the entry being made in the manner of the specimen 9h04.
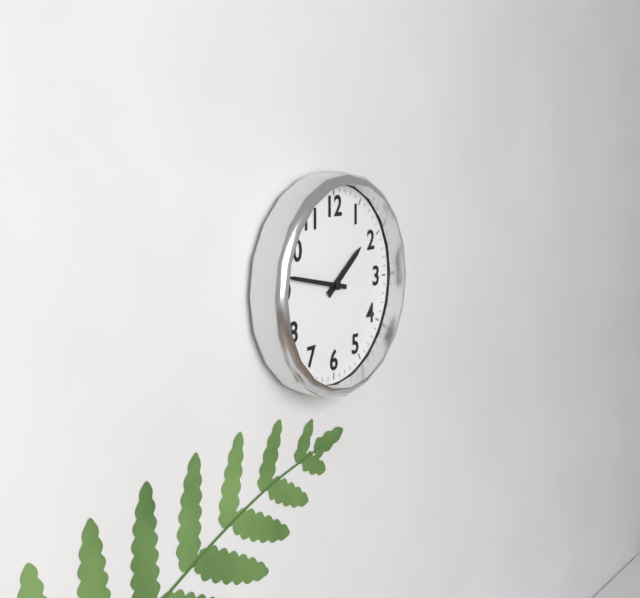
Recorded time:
1h47
